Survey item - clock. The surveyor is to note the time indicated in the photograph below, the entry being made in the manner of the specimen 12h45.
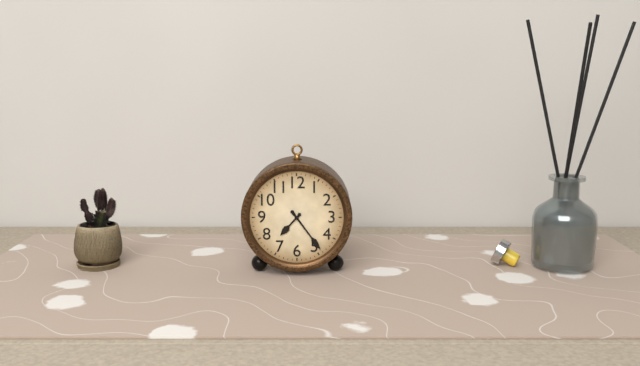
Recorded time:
7h24
